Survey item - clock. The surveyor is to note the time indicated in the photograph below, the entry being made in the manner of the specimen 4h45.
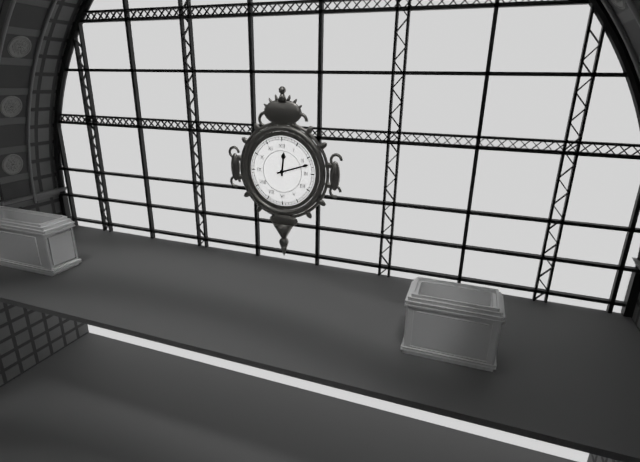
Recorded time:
12h12
